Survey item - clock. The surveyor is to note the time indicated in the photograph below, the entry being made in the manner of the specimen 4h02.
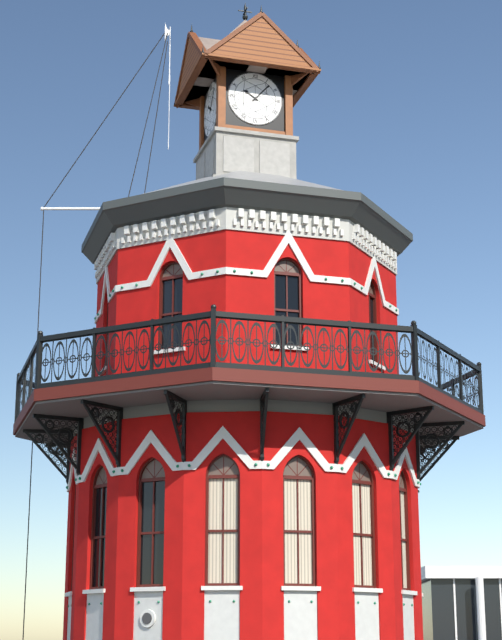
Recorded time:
10h07
